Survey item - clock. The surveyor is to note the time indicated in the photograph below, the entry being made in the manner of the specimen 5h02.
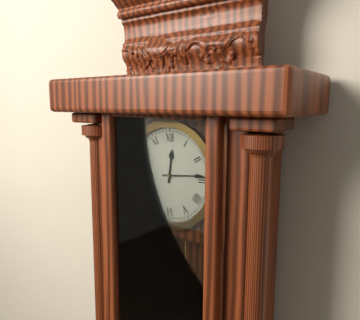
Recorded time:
12h14
